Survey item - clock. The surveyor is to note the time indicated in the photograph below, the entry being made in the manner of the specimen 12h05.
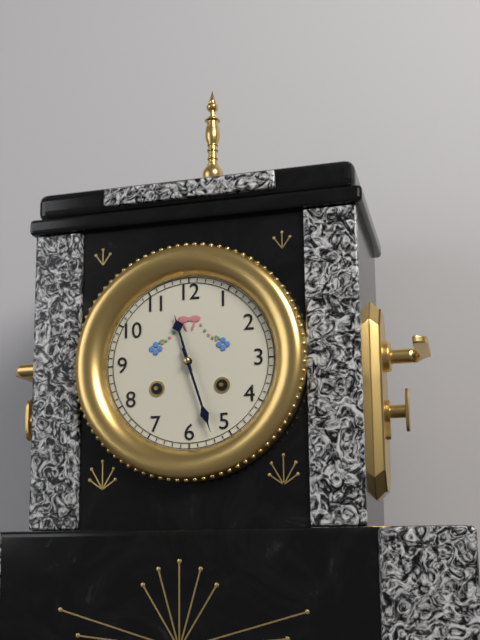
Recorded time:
11h27
